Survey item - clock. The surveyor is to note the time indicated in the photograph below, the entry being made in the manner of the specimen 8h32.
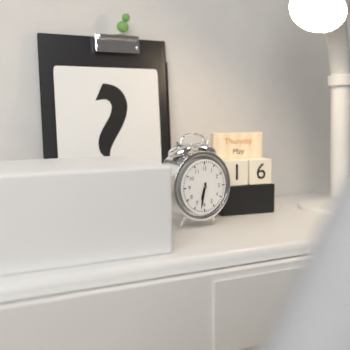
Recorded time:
6h32
